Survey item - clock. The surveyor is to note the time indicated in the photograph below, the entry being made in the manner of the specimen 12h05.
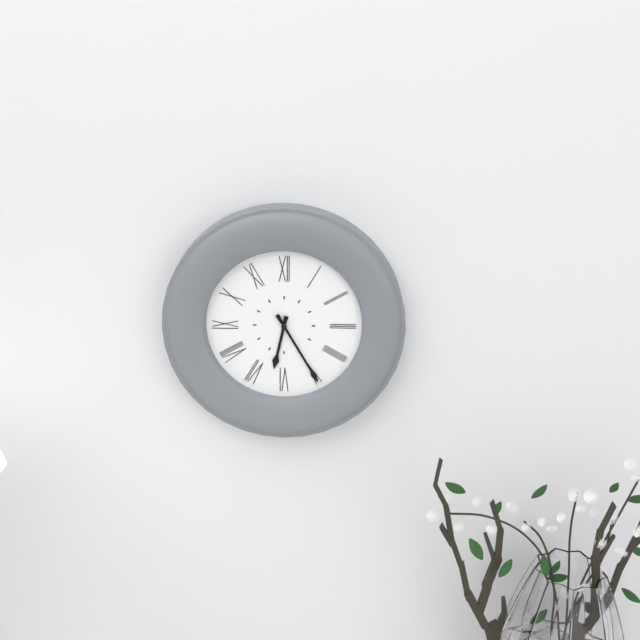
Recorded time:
6h25
